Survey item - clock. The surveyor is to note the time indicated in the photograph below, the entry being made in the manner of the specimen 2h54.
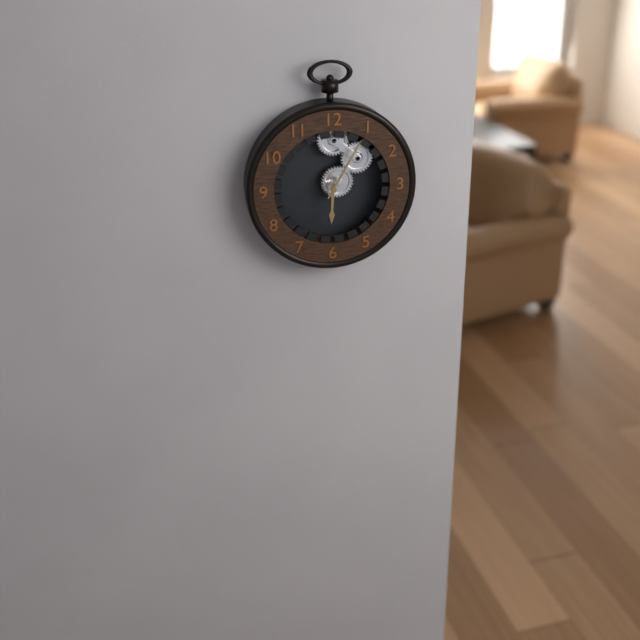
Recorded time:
6h05
